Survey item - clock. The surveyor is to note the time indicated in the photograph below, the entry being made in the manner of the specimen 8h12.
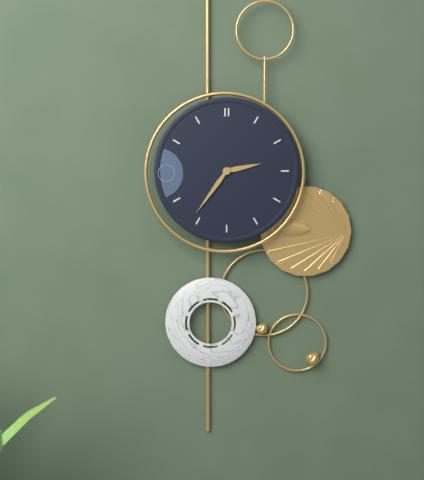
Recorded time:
2h36
